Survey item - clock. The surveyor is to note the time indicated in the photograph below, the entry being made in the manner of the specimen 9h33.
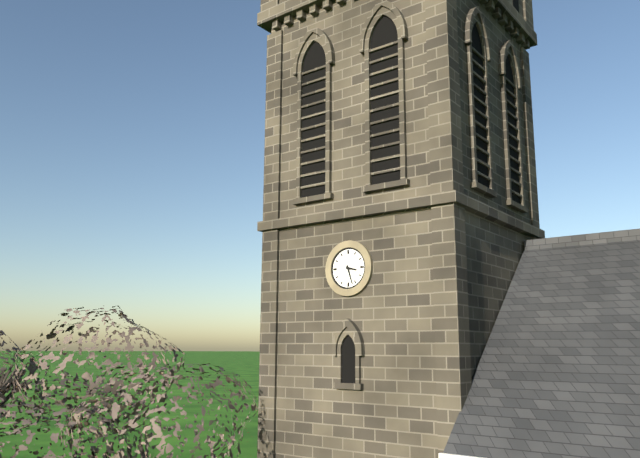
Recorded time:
3h27
